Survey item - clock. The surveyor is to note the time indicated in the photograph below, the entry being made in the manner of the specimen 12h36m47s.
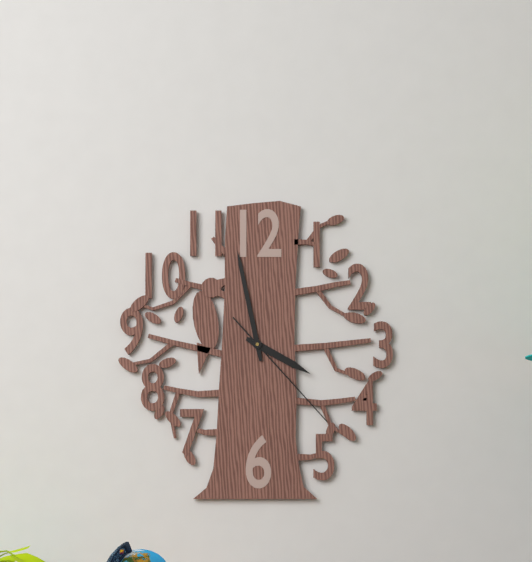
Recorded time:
3h58m23s
